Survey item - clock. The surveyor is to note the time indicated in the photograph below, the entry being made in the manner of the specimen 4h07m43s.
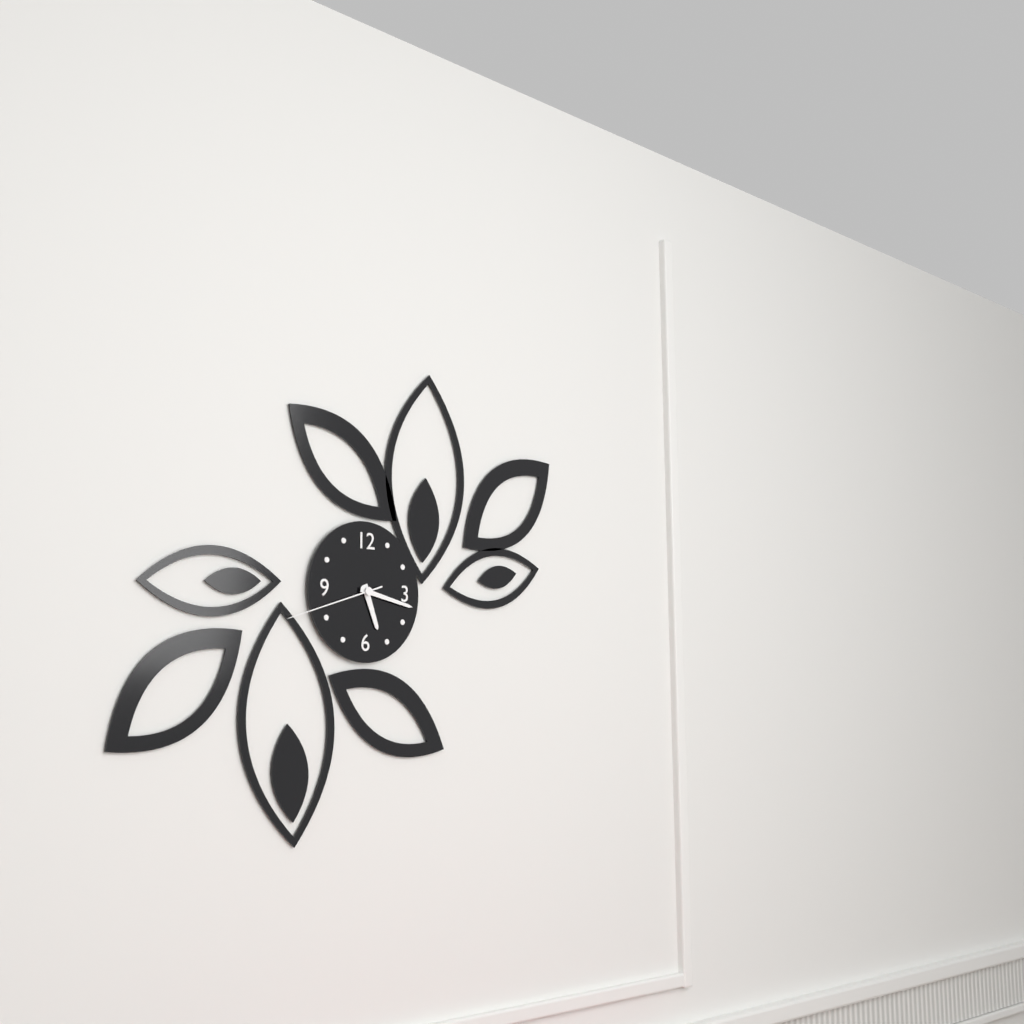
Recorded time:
5h17m42s
